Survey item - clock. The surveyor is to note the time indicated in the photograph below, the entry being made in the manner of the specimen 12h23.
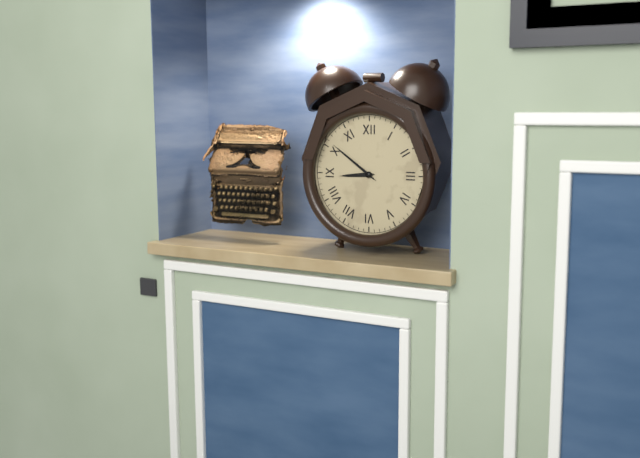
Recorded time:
8h51
